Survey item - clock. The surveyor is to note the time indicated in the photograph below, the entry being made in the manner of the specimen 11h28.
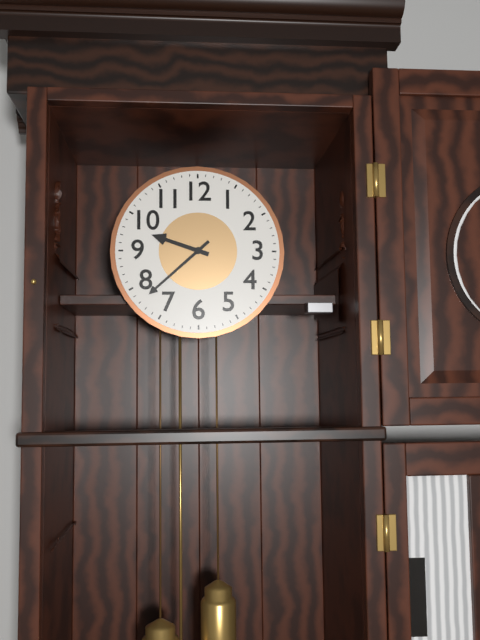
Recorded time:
9h38
